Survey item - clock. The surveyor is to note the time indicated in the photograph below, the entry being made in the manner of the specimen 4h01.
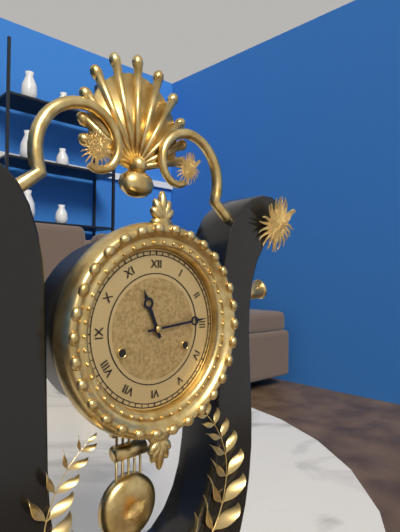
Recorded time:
11h14
